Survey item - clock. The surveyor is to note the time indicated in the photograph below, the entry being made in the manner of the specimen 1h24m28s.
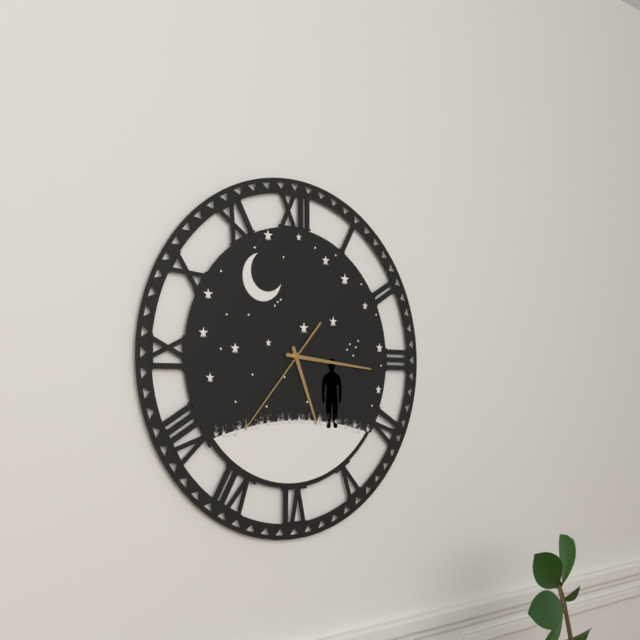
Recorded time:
5h16m37s
